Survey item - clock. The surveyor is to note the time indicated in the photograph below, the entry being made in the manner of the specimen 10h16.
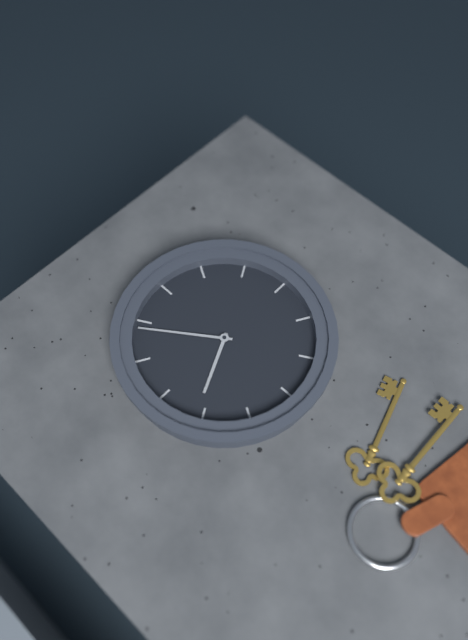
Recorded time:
11h09
